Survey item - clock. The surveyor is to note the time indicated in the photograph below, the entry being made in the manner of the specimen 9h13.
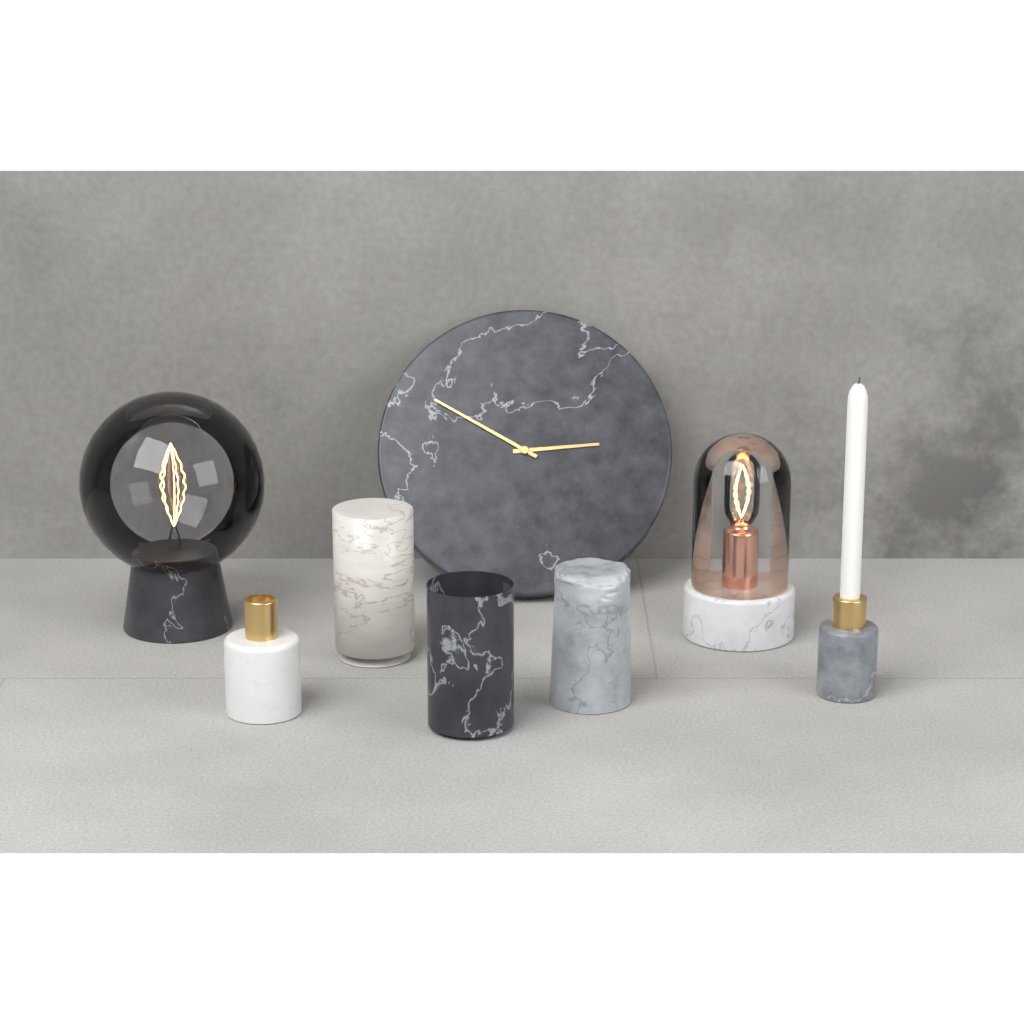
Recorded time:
2h50
